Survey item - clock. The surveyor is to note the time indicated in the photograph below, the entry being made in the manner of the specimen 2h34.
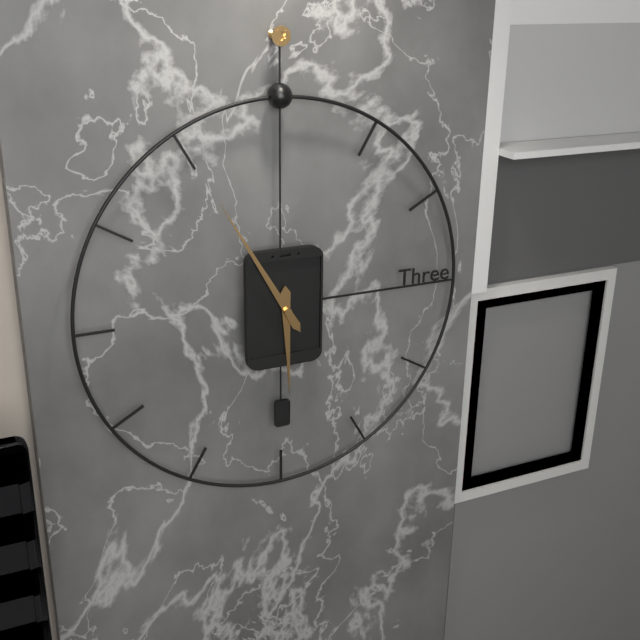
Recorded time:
5h55
